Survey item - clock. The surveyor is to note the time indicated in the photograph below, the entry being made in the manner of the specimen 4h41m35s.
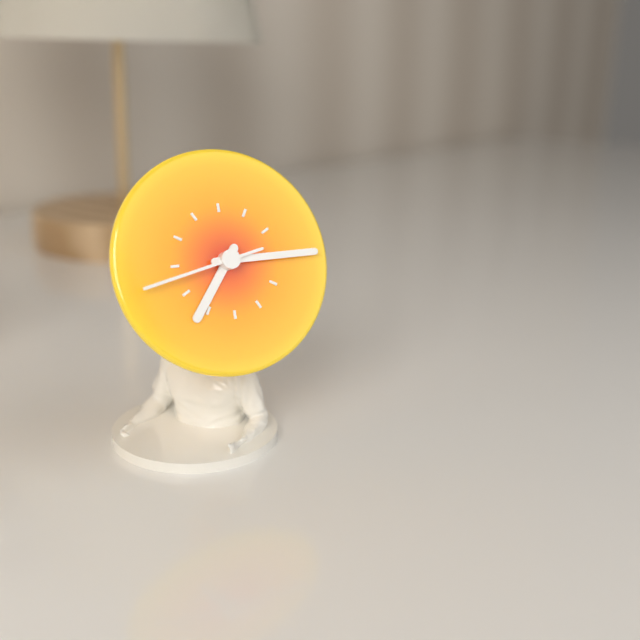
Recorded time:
7h15m43s
